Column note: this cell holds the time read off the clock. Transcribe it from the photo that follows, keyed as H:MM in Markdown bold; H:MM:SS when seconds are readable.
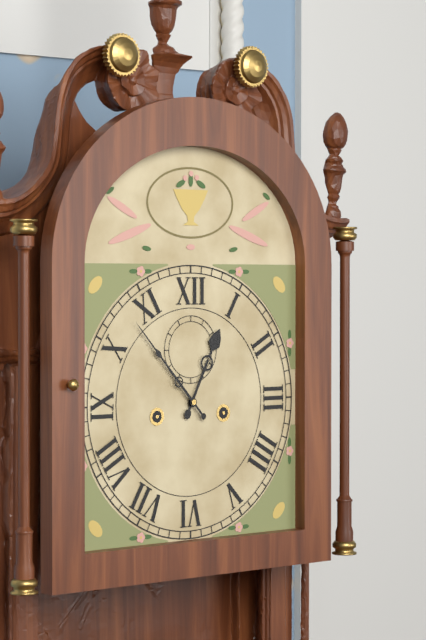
**12:53**
